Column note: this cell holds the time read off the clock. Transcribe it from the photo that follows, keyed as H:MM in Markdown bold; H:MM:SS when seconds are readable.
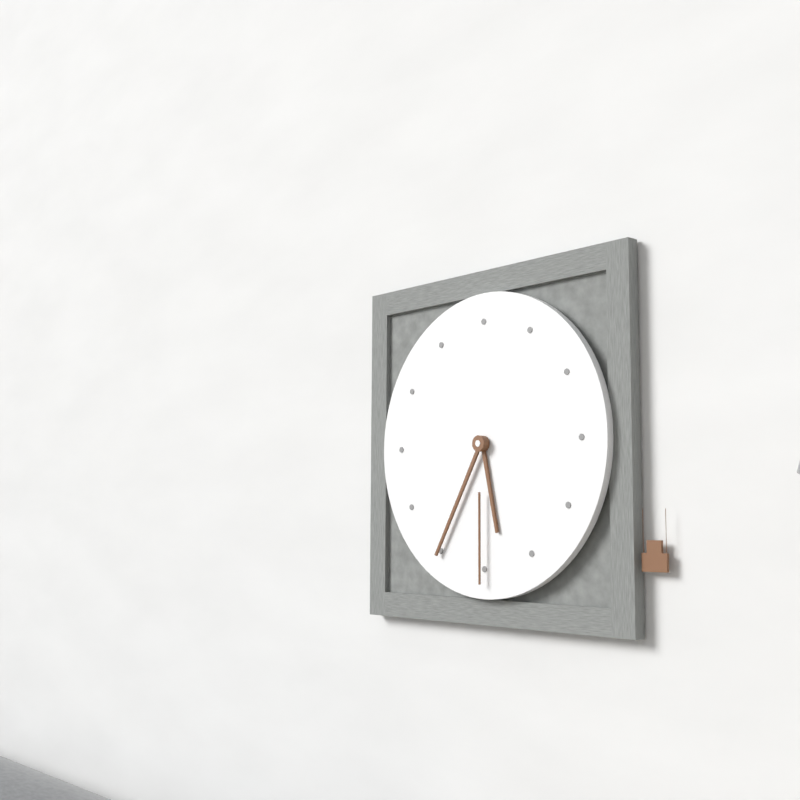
**5:35:30**
